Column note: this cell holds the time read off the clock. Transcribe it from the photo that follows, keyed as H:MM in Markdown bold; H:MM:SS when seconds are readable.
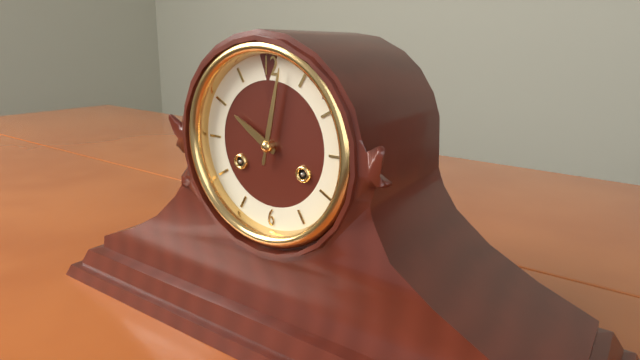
**10:02**
